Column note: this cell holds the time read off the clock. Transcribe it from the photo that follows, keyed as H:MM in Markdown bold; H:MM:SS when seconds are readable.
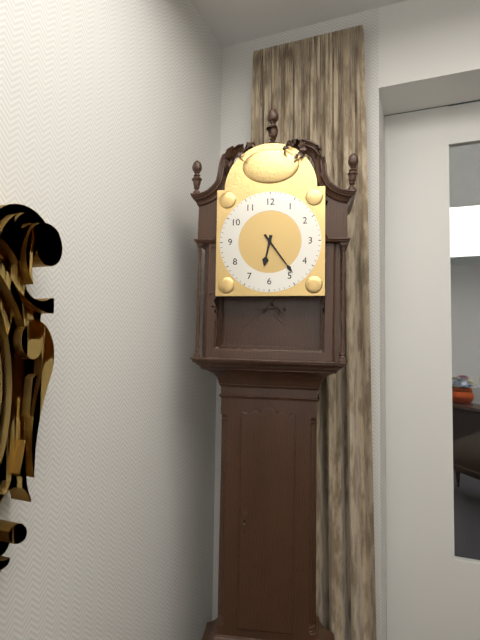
**6:24**
